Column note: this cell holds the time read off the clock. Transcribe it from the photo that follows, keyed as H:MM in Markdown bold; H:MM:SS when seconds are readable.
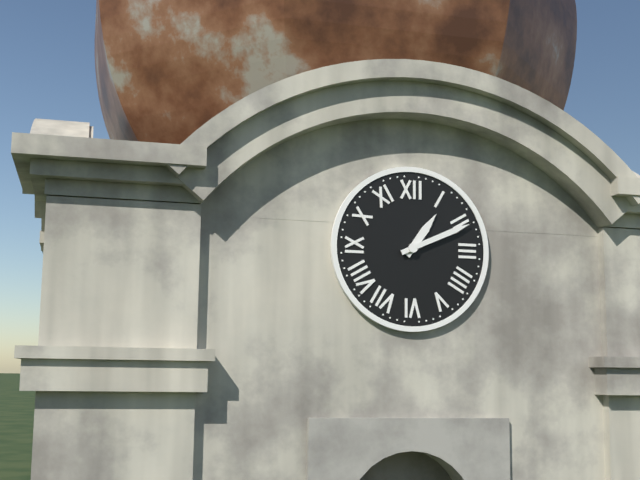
**1:11**
